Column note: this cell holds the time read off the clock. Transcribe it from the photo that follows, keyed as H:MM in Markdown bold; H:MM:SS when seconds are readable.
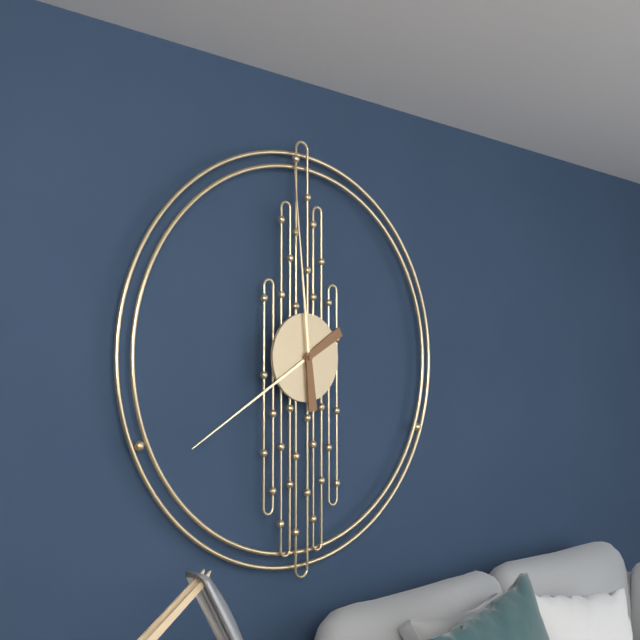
**7:59**
